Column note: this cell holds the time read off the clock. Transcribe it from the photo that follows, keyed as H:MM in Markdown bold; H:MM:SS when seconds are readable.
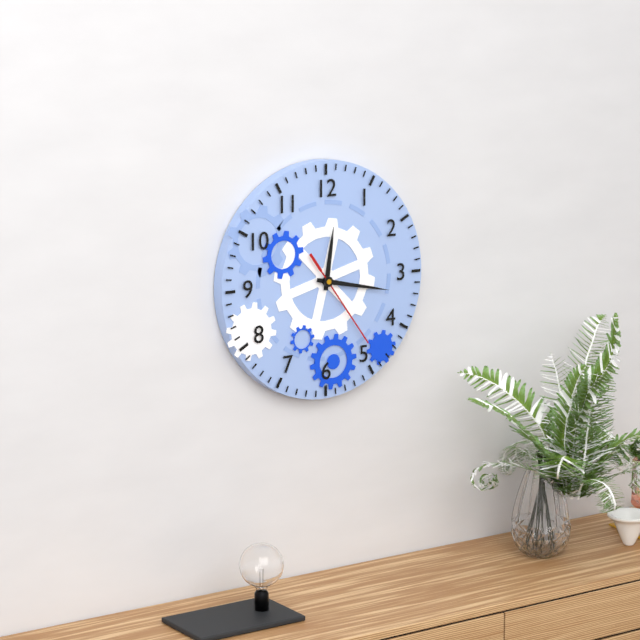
**12:17:24**
